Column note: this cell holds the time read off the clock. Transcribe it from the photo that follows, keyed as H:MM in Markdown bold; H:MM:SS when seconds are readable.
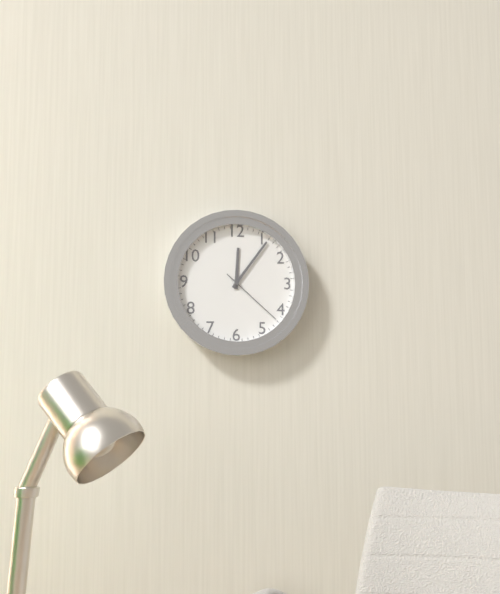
**12:06:22**
